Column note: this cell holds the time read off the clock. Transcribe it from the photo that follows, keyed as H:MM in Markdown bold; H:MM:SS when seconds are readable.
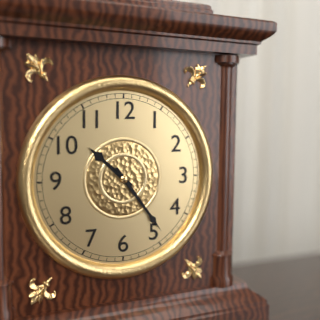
**10:24**
